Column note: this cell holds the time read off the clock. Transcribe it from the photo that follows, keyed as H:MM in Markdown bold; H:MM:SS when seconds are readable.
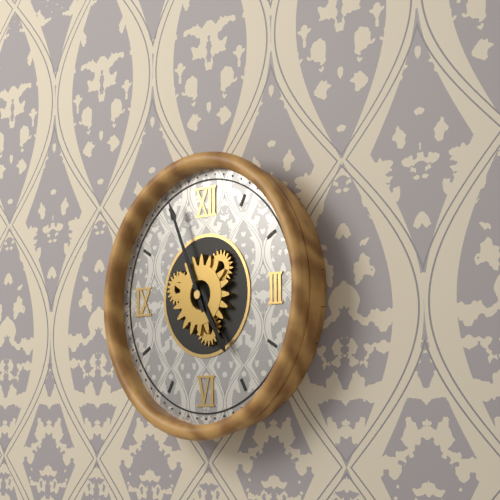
**4:56**
